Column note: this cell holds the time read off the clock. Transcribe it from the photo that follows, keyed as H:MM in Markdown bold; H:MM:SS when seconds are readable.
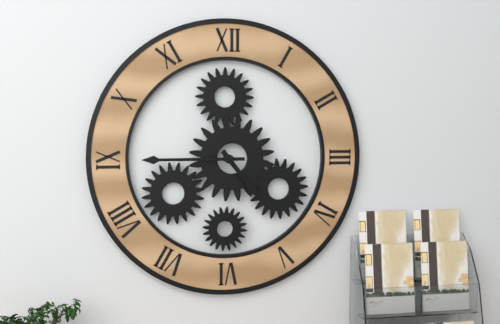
**4:45**
